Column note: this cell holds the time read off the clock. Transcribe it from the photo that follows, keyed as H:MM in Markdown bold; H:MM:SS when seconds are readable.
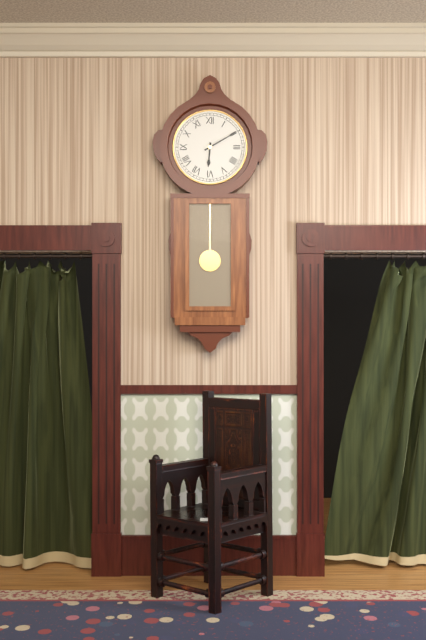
**6:10**
